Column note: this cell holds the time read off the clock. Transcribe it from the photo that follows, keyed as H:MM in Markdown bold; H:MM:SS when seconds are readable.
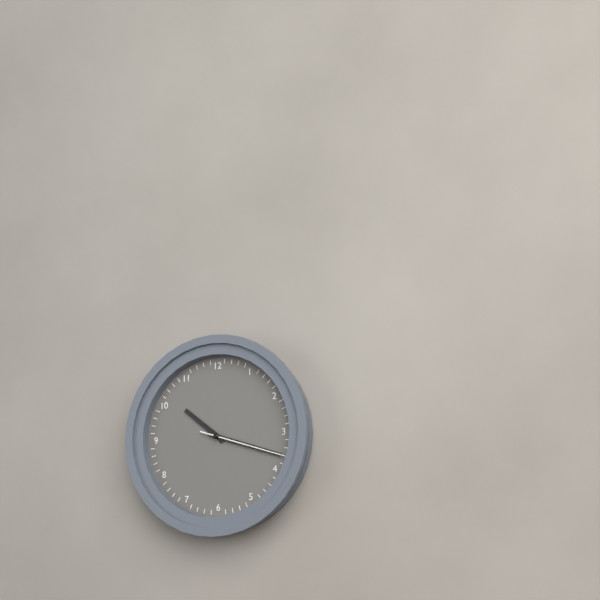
**10:18:18**
